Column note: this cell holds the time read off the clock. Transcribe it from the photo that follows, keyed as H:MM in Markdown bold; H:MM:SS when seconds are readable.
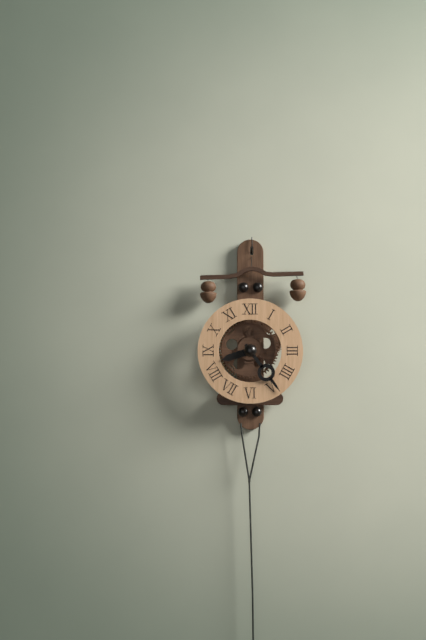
**8:24**
